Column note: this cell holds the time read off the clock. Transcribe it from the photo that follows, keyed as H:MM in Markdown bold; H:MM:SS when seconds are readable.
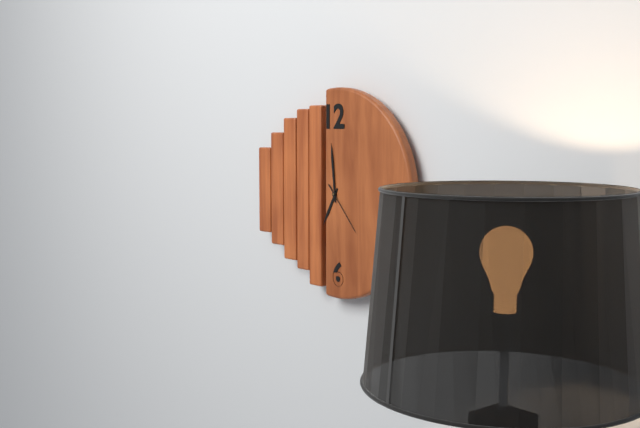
**6:59:23**
